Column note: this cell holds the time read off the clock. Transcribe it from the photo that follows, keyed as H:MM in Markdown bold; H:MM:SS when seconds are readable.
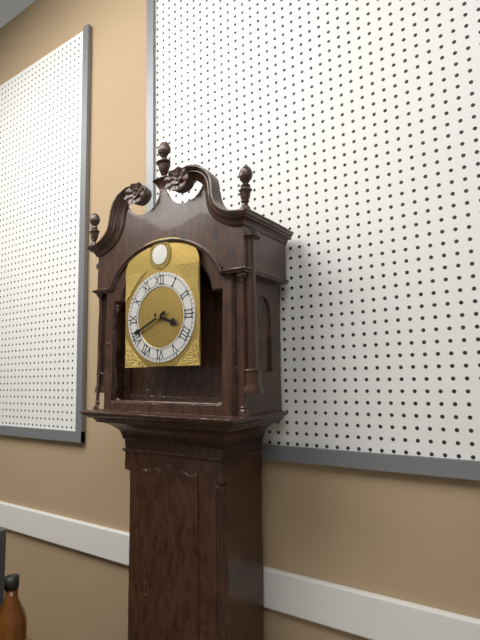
**3:41**
